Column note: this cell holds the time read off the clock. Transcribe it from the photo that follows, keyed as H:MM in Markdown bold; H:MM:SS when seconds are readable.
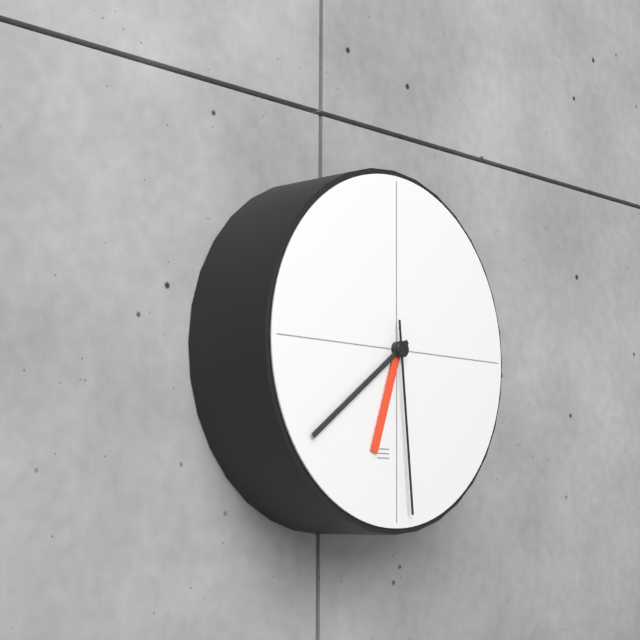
**6:39:29**
